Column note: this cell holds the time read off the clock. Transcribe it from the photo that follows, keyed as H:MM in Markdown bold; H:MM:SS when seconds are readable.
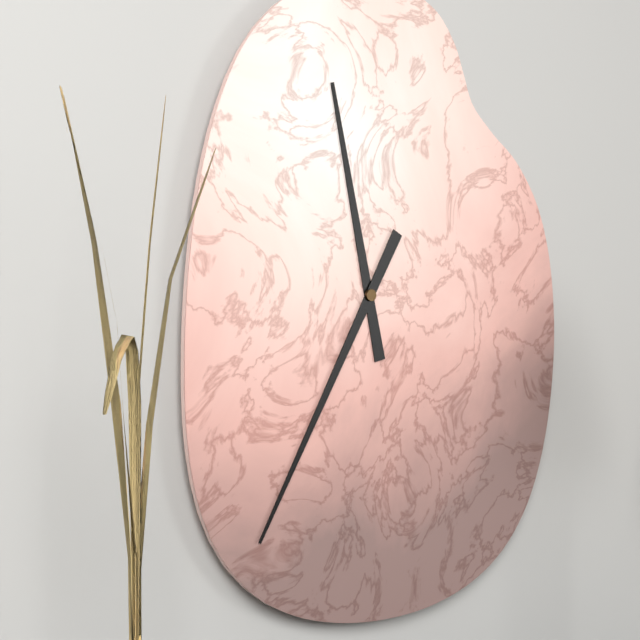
**11:35**
